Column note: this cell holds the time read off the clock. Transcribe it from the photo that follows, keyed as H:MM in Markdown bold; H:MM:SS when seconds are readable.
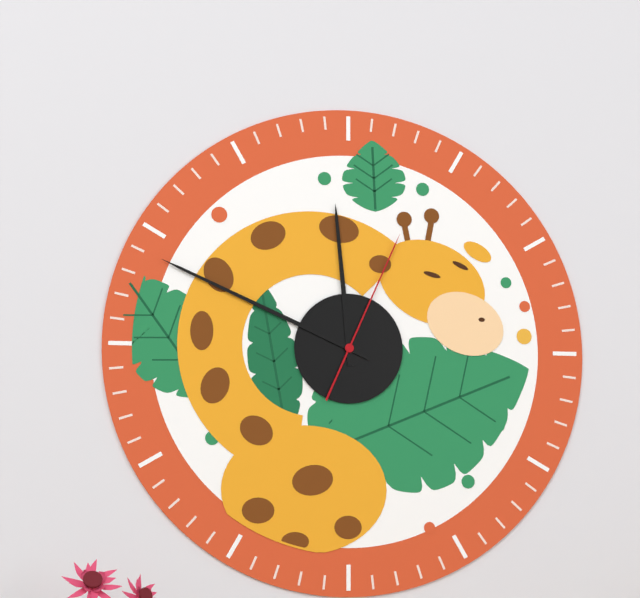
**11:49:04**
